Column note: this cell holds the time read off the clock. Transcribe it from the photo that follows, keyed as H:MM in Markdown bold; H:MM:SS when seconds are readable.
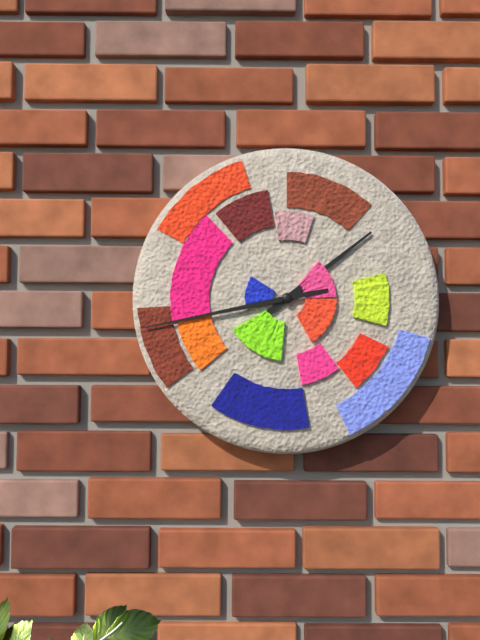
**1:43**
